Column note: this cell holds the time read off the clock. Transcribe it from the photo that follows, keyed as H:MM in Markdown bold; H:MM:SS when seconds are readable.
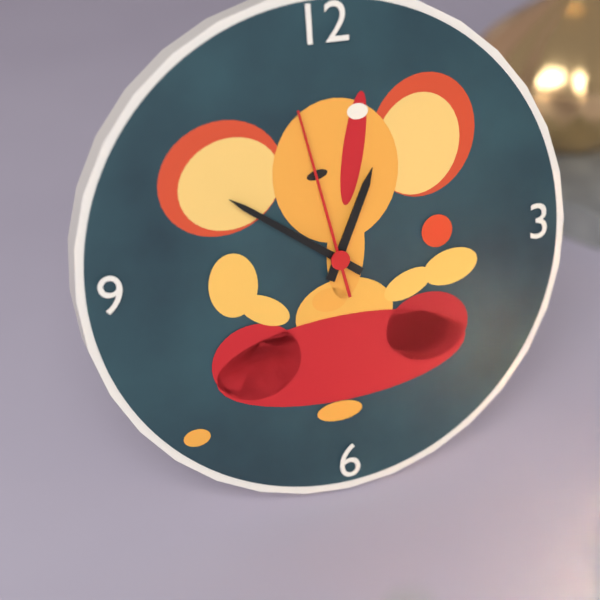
**12:51:58**
